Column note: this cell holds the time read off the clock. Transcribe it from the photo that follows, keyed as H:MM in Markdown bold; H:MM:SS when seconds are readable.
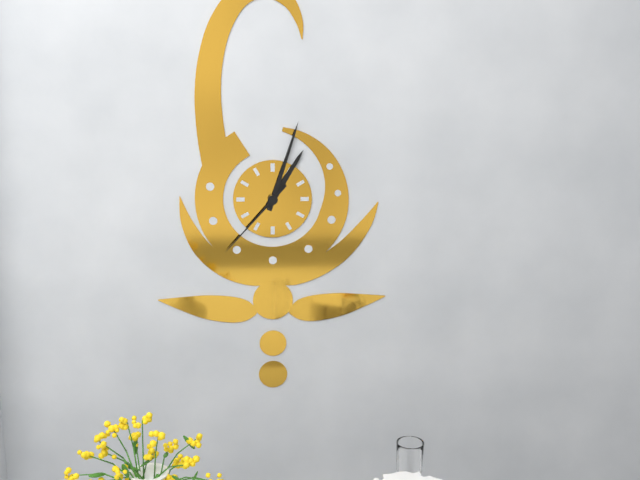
**1:03:37**
